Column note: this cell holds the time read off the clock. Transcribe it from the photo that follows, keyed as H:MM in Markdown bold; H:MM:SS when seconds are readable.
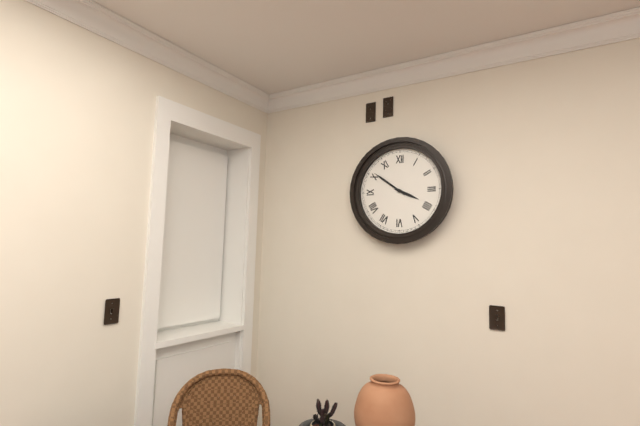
**3:51**
